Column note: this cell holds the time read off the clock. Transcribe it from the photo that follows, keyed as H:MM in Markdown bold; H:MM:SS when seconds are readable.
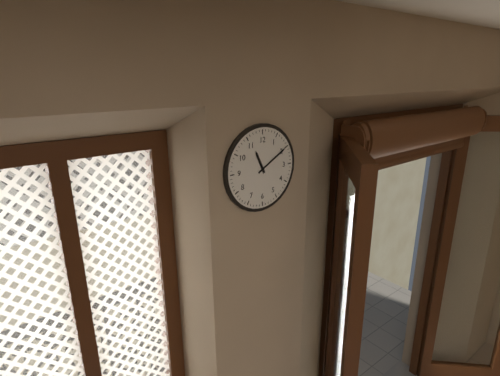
**11:10**
